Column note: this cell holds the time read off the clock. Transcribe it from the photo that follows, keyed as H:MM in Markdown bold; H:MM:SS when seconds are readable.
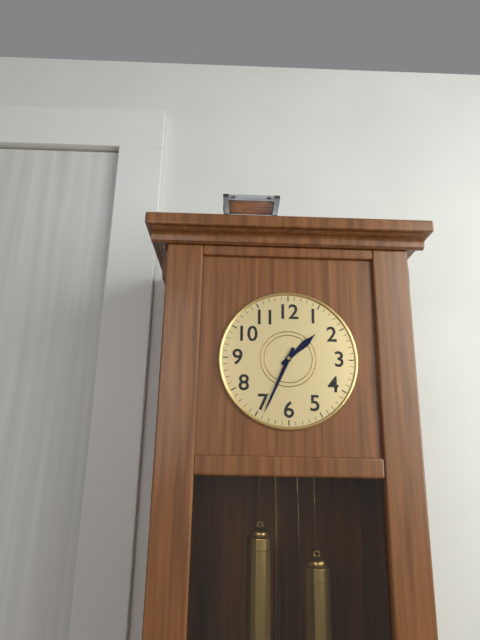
**1:34**
